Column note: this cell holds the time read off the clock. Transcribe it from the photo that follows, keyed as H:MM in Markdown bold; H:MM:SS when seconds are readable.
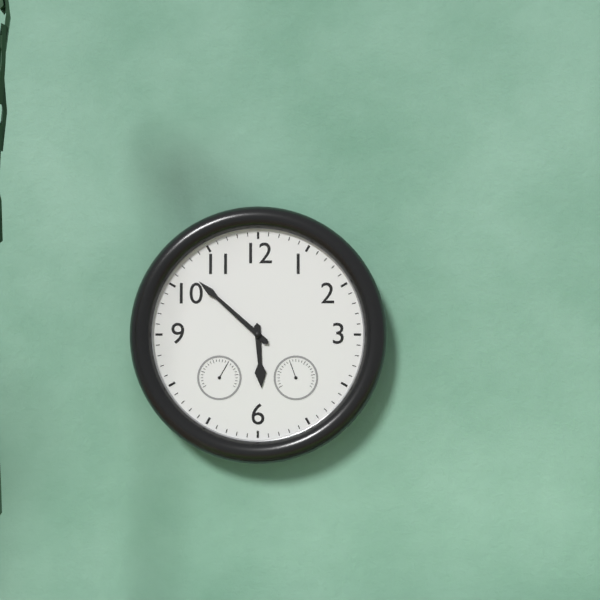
**5:52**
